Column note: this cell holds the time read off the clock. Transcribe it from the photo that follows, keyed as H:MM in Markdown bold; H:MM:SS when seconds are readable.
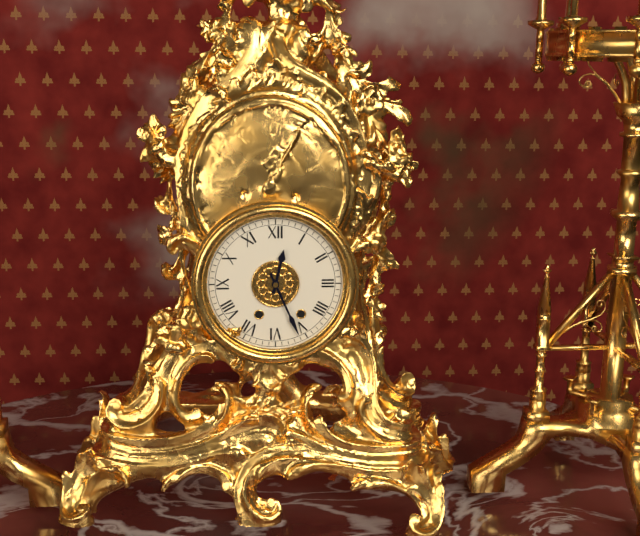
**12:26**
